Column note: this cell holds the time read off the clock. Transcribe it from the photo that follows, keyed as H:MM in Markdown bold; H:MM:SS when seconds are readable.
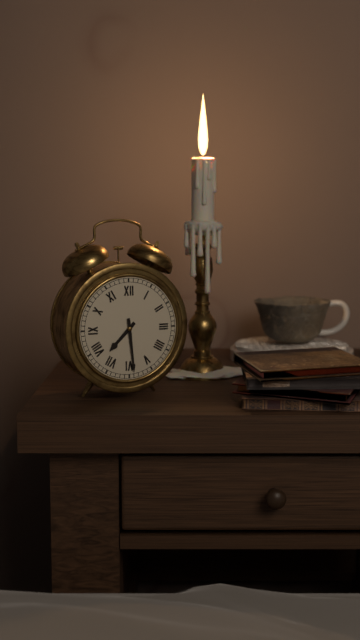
**7:29**
